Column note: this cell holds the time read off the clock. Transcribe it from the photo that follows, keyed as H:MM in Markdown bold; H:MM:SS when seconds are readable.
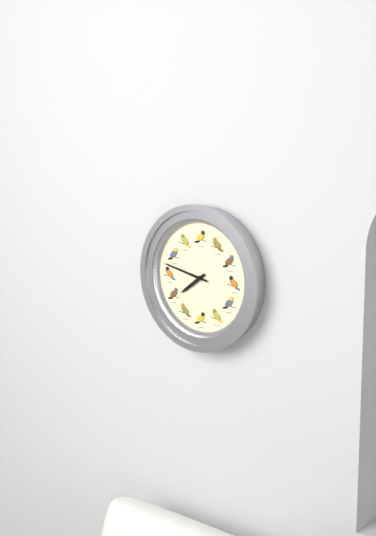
**7:47**
